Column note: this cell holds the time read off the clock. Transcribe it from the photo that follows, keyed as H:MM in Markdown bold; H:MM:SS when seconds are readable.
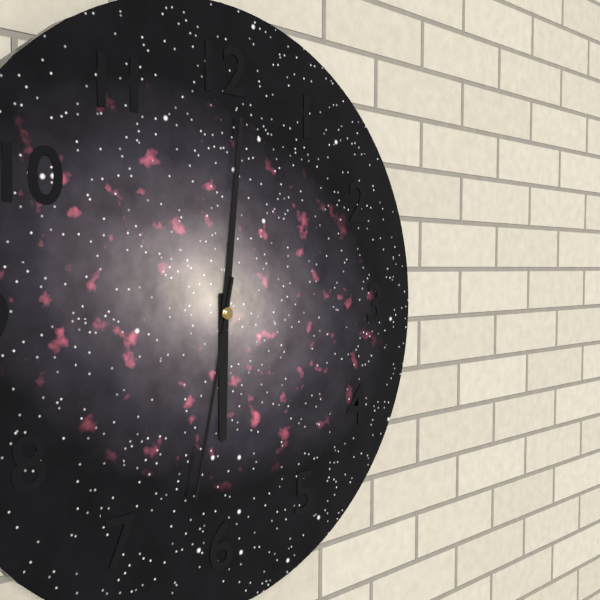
**6:01:32**
